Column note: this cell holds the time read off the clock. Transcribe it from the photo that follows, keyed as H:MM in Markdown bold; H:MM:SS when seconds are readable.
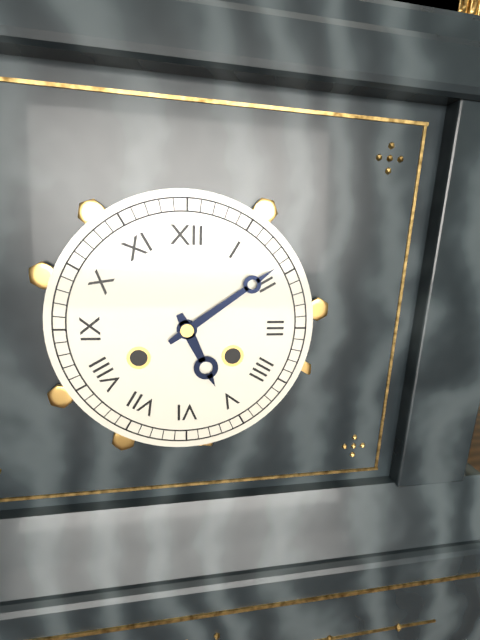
**5:09**
